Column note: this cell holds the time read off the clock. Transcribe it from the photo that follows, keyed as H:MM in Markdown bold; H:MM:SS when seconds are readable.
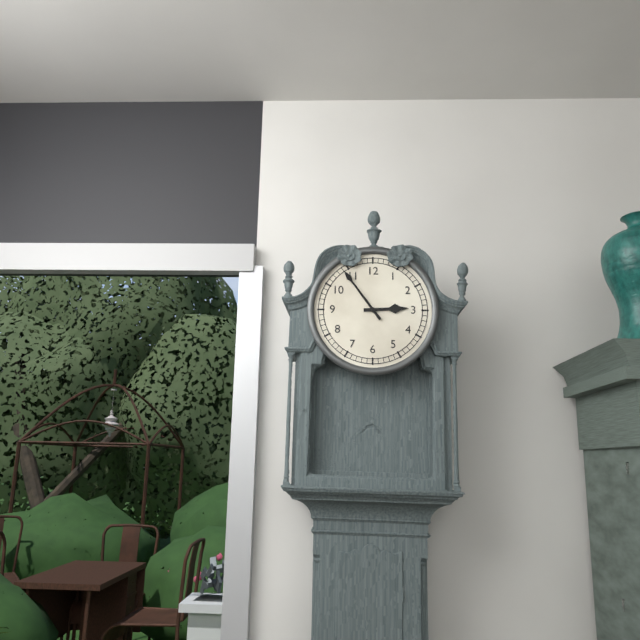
**2:54**
